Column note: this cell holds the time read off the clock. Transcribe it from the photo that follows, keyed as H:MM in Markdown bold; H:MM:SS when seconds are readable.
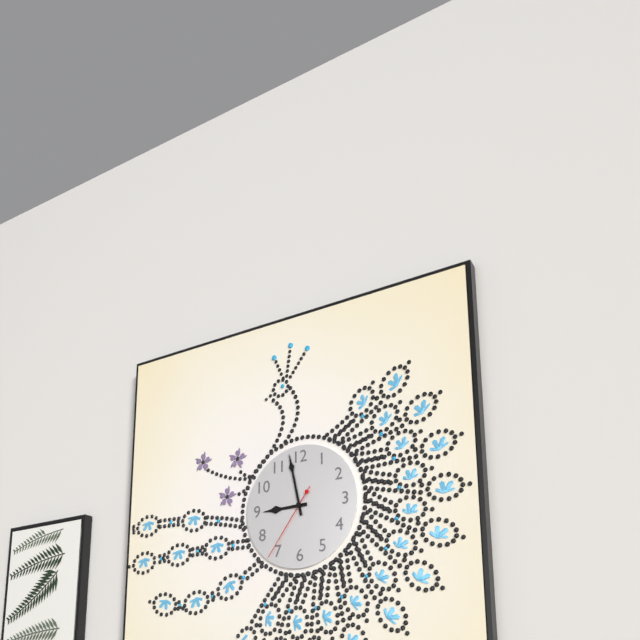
**8:58:36**
